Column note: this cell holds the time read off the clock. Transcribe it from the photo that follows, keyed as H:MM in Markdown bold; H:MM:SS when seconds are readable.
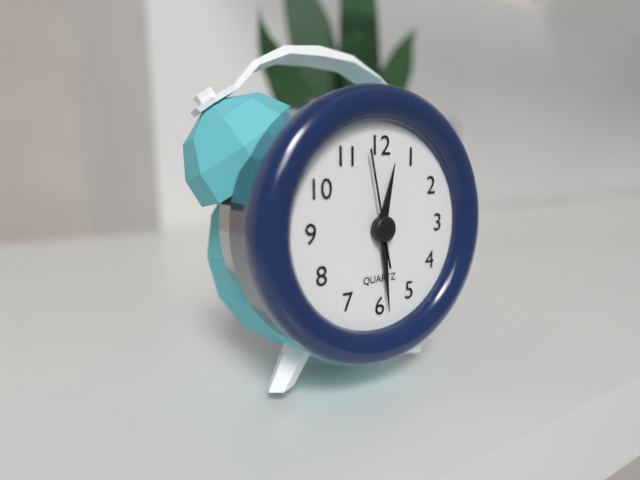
**12:29:58**
